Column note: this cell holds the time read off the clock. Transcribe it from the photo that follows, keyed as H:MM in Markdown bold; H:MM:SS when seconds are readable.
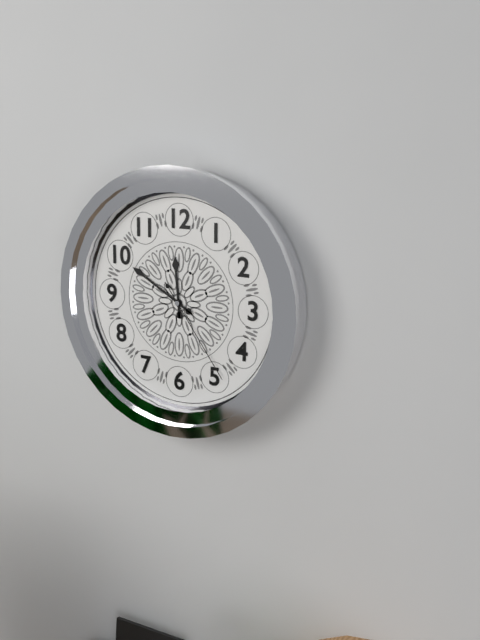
**11:50:24**
